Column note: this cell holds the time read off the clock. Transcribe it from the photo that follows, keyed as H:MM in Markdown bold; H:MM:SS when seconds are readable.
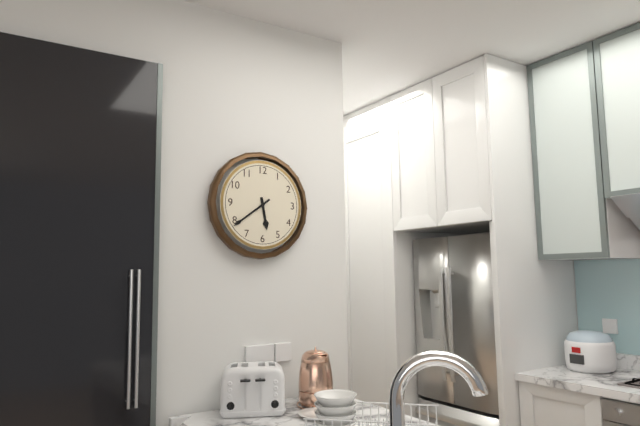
**5:39**
